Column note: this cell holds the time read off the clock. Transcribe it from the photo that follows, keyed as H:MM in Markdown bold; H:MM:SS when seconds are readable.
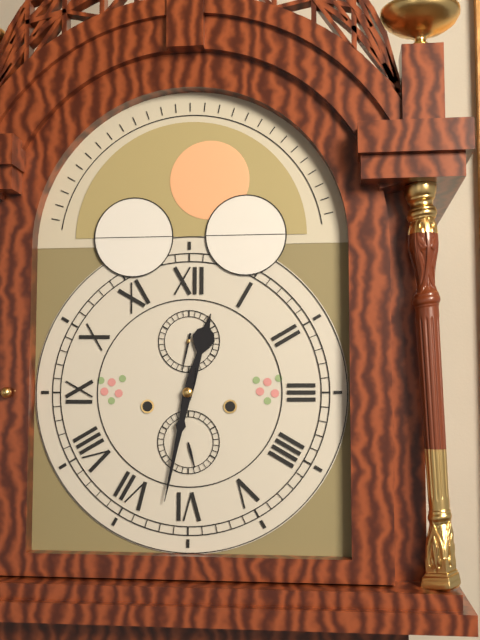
**12:32**
